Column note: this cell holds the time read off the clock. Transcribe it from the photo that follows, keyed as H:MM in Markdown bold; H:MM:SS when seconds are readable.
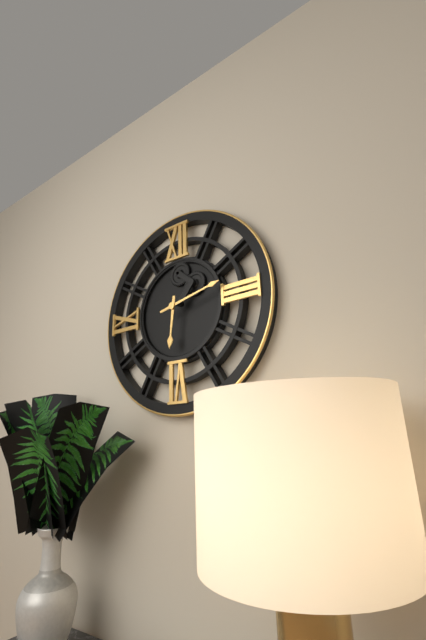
**6:13**
